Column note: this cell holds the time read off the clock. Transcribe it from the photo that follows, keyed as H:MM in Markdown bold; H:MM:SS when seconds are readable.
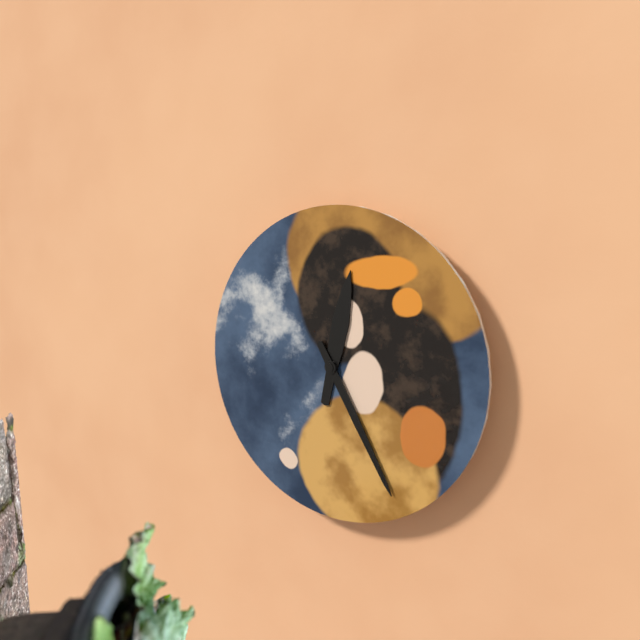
**12:25**
